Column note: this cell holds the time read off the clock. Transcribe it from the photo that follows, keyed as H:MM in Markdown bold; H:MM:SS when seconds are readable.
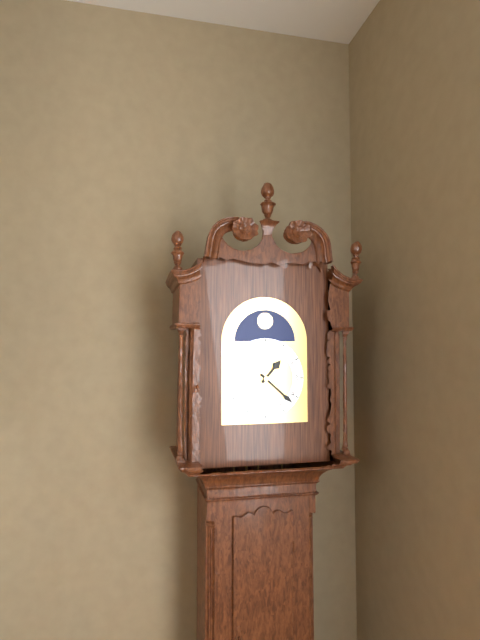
**1:22**
